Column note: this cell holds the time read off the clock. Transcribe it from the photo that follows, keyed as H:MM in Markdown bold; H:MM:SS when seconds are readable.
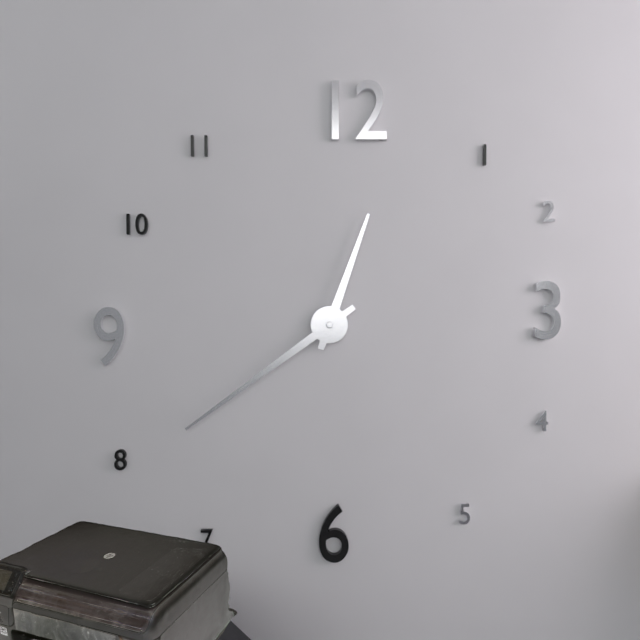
**12:39**
